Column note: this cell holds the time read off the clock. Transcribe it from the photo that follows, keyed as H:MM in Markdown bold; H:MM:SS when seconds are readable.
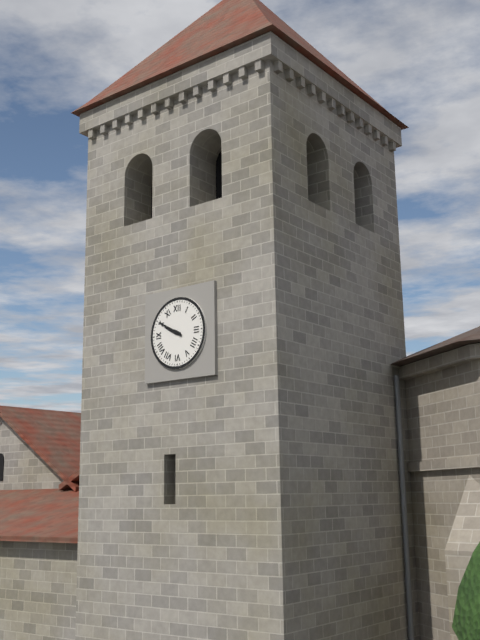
**9:50**
